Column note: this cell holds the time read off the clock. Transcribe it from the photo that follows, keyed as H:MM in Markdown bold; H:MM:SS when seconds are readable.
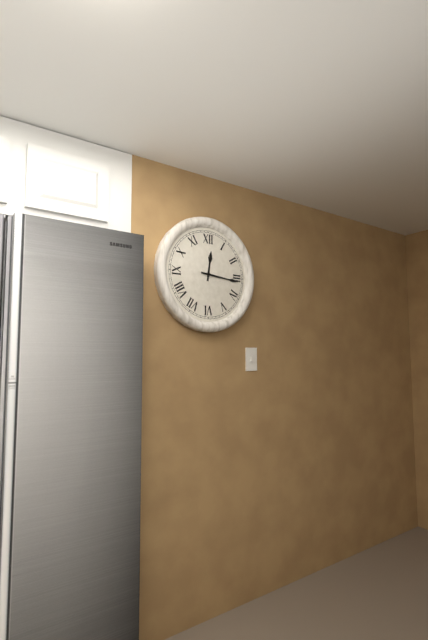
**12:16**
